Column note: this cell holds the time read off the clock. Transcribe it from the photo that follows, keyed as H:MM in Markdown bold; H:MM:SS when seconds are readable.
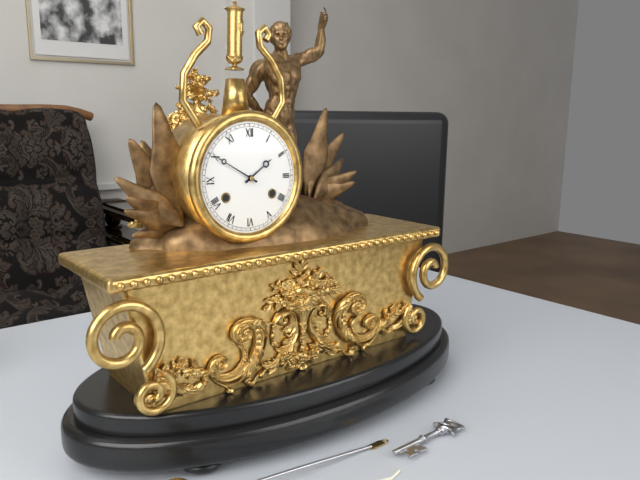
**1:50**
